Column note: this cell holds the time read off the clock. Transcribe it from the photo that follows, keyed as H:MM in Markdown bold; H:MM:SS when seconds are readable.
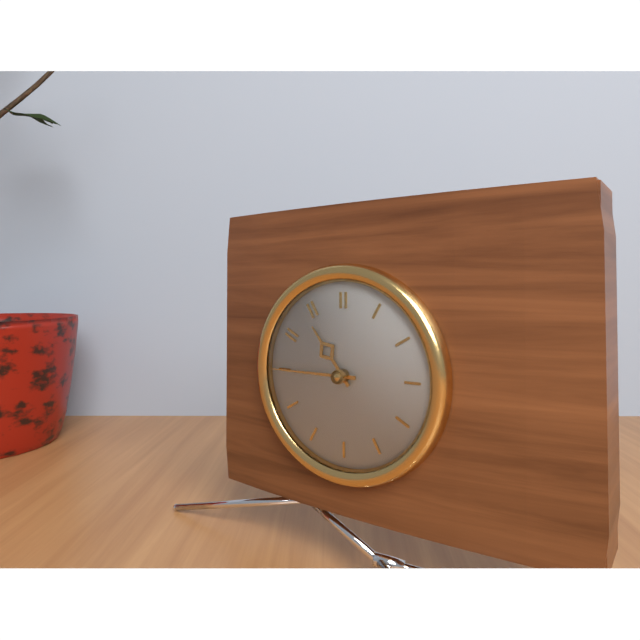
**10:45**
